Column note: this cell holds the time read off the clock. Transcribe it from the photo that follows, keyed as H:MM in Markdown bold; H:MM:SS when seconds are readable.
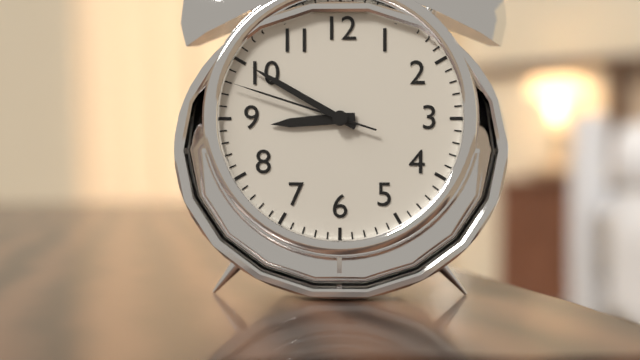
**8:50:48**
